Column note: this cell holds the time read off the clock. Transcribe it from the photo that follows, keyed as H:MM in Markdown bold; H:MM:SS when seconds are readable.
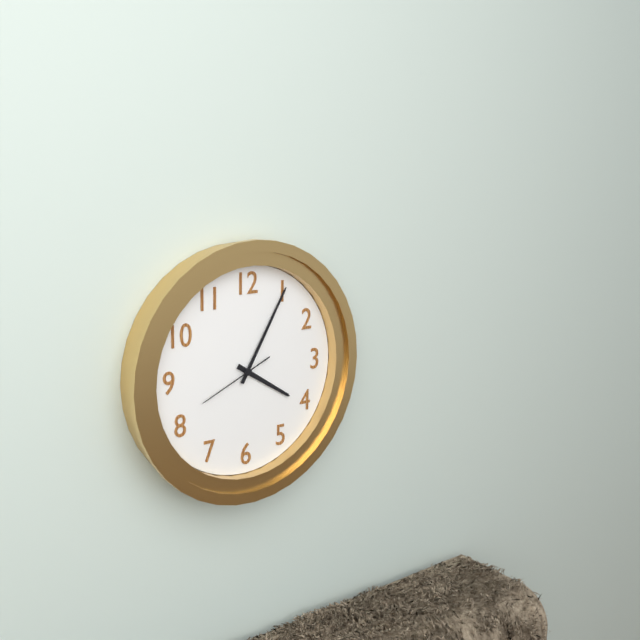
**4:05:41**
